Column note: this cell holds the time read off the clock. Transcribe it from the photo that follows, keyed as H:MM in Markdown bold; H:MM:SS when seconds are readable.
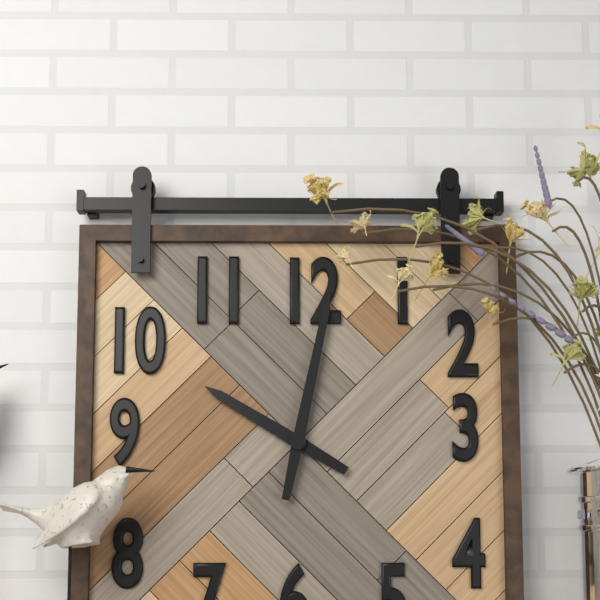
**10:02**
